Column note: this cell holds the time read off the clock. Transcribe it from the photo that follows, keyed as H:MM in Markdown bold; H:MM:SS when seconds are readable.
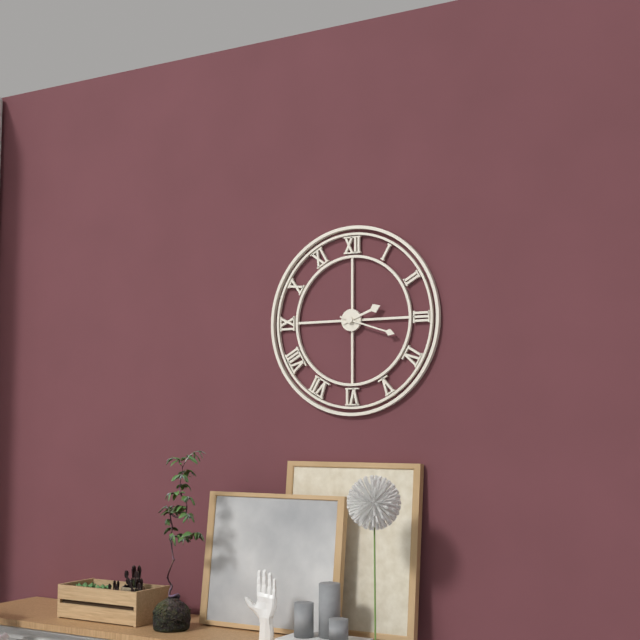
**2:18**
